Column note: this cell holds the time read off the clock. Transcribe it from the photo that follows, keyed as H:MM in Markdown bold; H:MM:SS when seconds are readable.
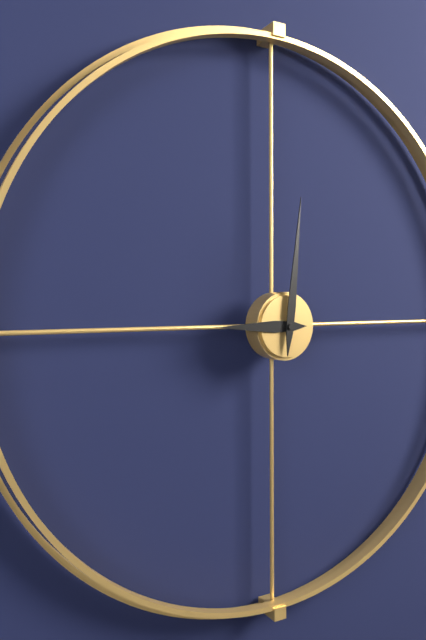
**9:01**
